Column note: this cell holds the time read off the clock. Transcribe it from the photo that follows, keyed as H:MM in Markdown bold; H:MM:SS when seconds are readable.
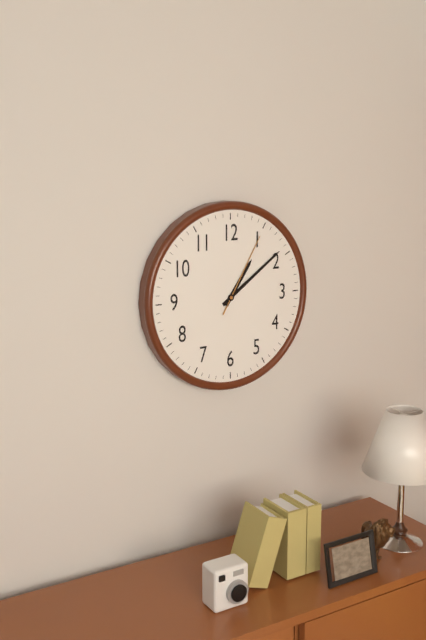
**1:09:05**
